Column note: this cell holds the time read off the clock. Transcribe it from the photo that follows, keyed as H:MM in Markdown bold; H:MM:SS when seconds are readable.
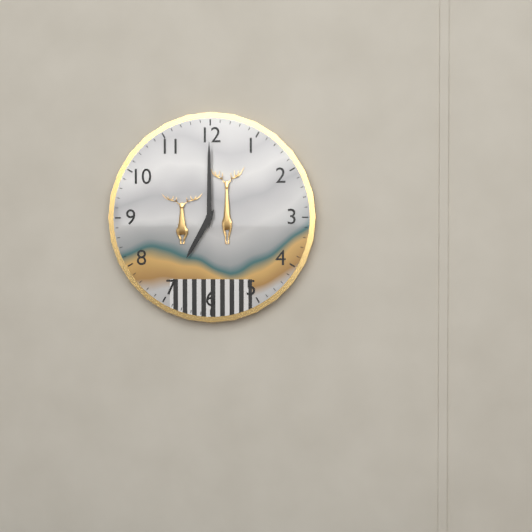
**7:00**
